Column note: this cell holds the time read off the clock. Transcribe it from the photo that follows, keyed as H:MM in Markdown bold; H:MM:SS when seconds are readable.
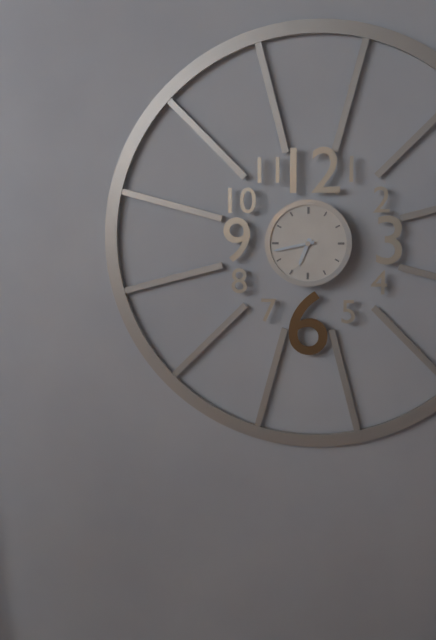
**6:43**
